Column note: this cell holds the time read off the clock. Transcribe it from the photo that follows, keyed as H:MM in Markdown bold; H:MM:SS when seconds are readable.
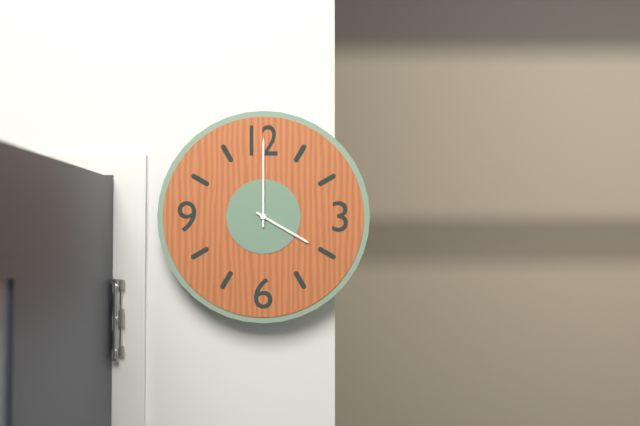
**4:00**
